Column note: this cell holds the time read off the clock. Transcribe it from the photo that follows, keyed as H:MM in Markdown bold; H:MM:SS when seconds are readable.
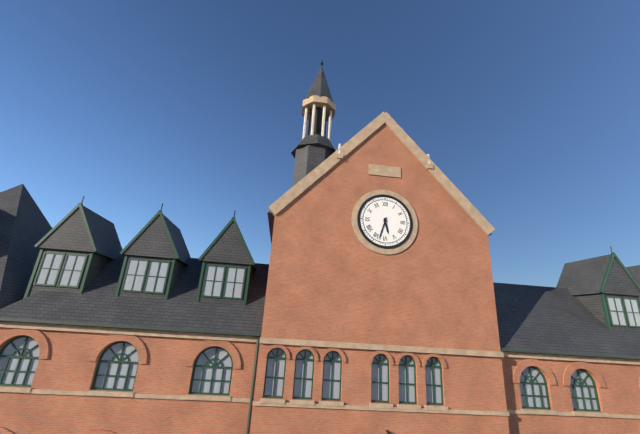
**5:33**
